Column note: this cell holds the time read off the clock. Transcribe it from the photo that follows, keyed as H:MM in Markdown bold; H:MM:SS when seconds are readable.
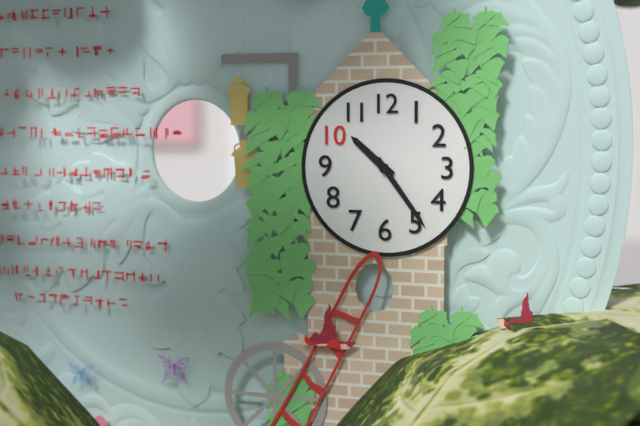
**10:24**
